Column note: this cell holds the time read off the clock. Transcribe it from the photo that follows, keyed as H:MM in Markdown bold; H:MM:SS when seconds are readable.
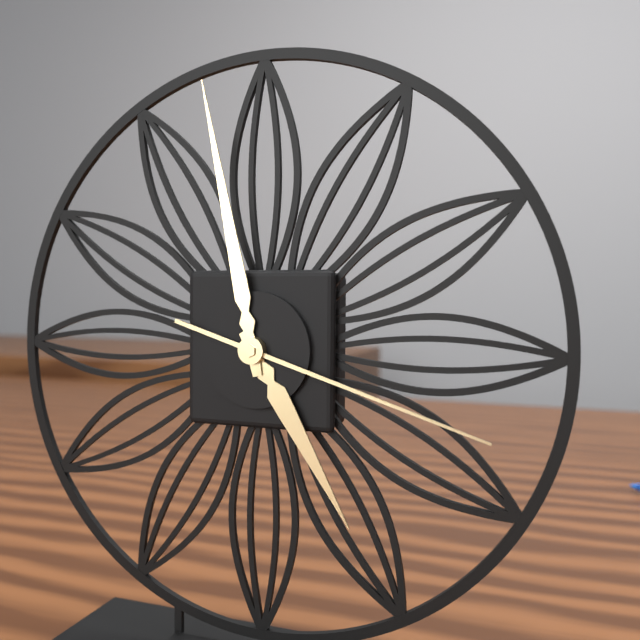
**4:58:18**
